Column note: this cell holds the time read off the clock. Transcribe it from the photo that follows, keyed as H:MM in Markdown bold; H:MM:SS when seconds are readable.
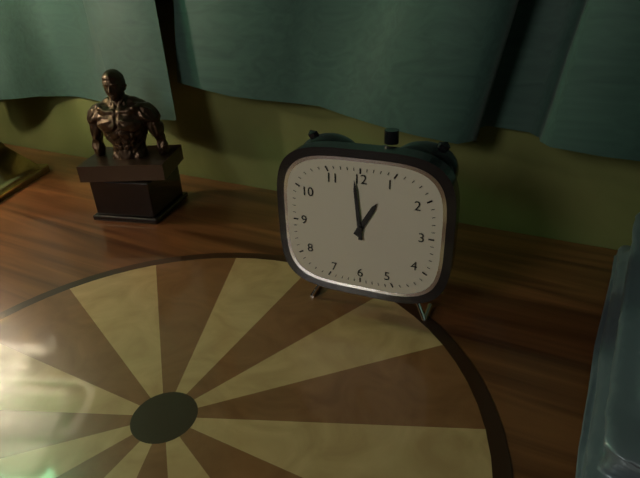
**12:59**
